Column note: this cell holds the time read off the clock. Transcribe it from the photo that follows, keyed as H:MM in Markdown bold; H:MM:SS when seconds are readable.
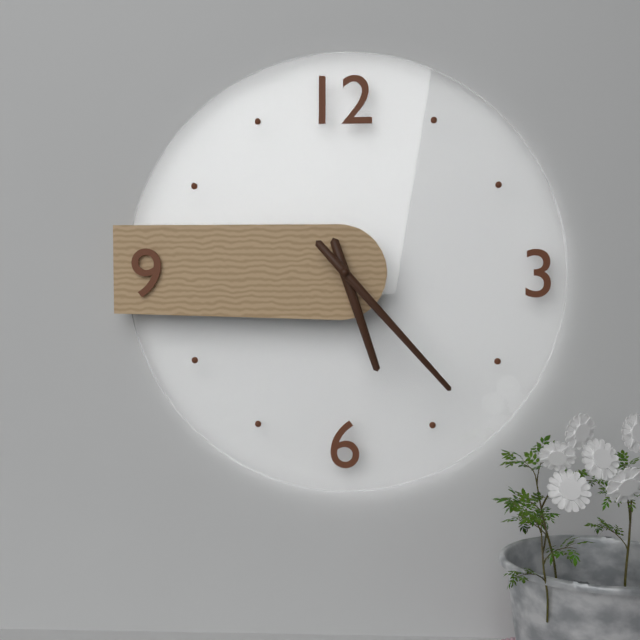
**5:23**
